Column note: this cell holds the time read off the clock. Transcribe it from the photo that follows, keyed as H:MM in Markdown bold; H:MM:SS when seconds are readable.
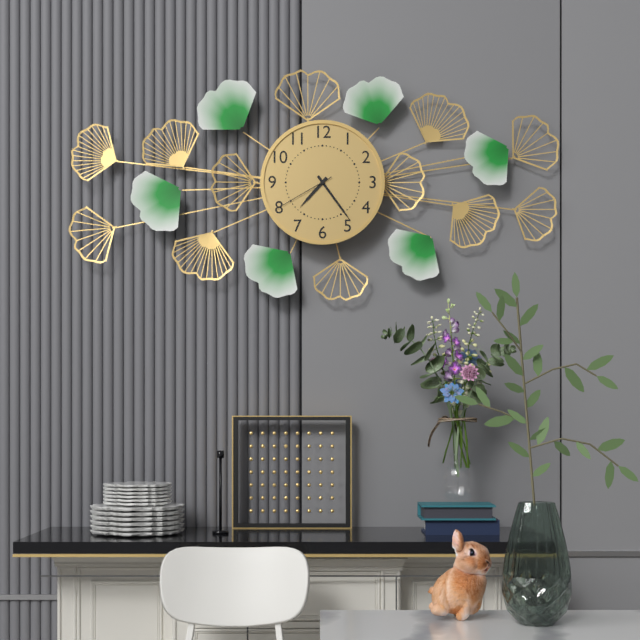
**7:24:40**
